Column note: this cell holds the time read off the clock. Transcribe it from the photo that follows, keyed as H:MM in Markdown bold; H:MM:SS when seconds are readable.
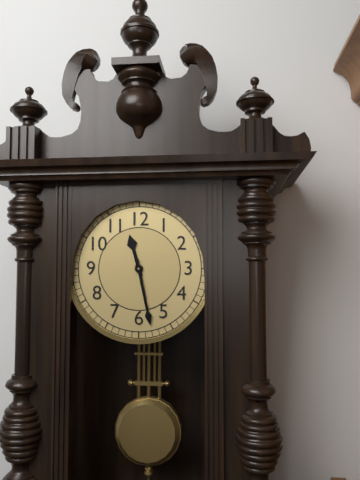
**11:28**
